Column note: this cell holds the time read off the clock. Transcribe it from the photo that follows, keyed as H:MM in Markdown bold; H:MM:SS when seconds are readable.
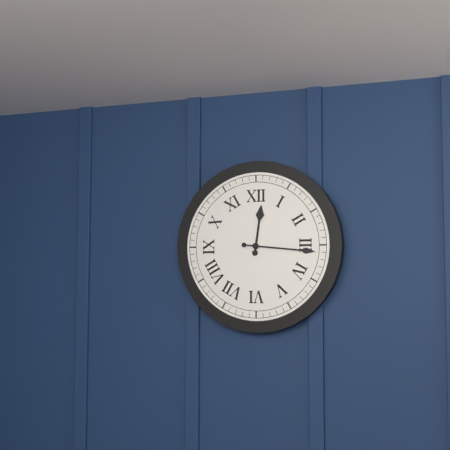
**12:16**
